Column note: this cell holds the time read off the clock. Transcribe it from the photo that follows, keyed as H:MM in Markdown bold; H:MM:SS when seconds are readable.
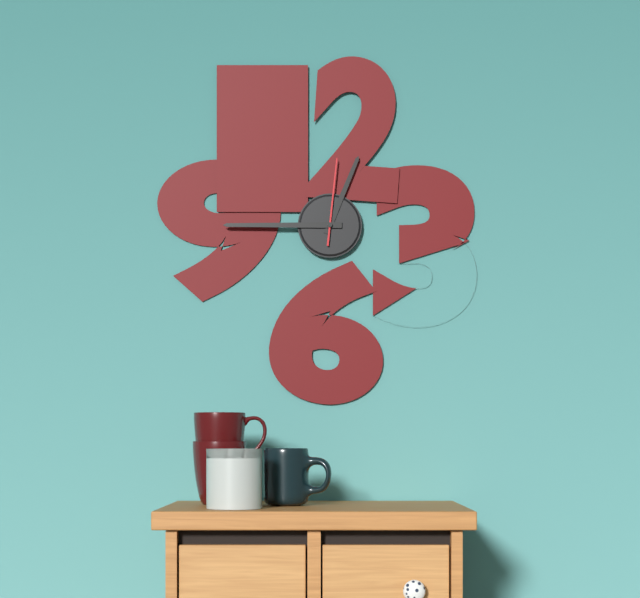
**12:45:01**
